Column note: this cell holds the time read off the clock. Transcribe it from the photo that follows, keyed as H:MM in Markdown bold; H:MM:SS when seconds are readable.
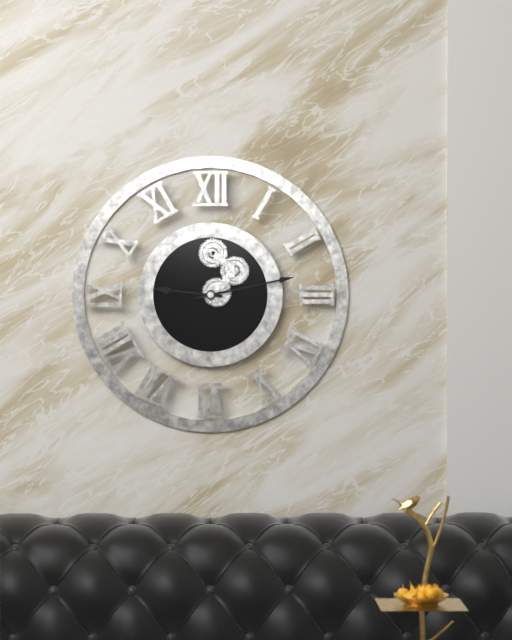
**9:13**
